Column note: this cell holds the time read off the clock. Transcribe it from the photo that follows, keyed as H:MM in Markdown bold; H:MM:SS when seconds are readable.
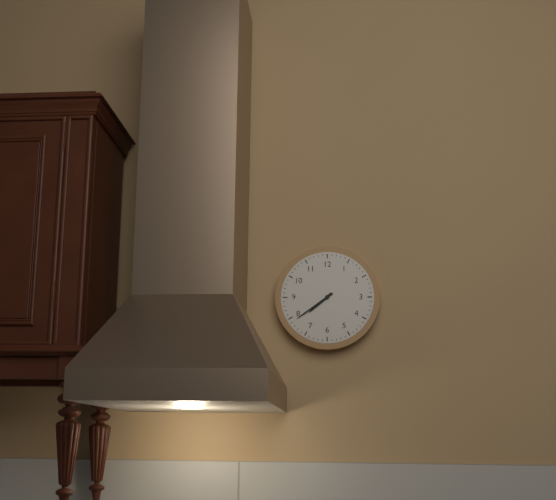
**7:39**
